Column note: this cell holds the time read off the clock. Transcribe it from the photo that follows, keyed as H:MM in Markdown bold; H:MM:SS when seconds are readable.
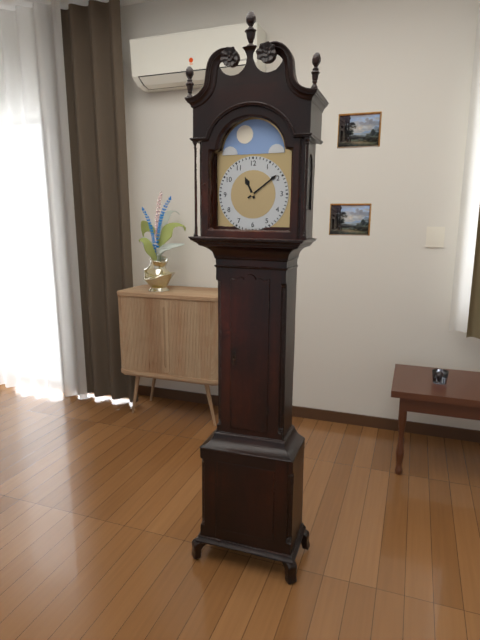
**11:09**
